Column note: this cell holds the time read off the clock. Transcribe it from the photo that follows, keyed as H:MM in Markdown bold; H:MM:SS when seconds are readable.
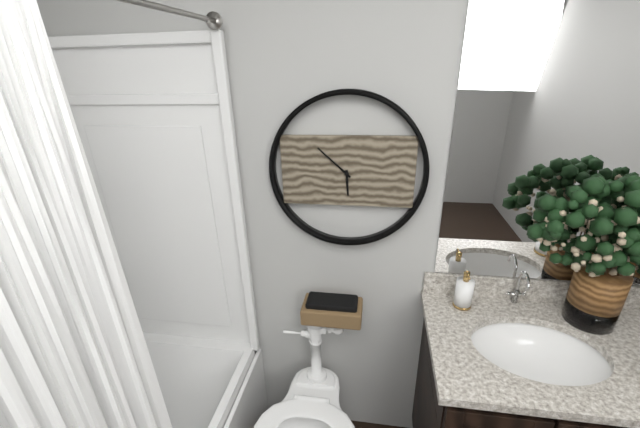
**5:52**
